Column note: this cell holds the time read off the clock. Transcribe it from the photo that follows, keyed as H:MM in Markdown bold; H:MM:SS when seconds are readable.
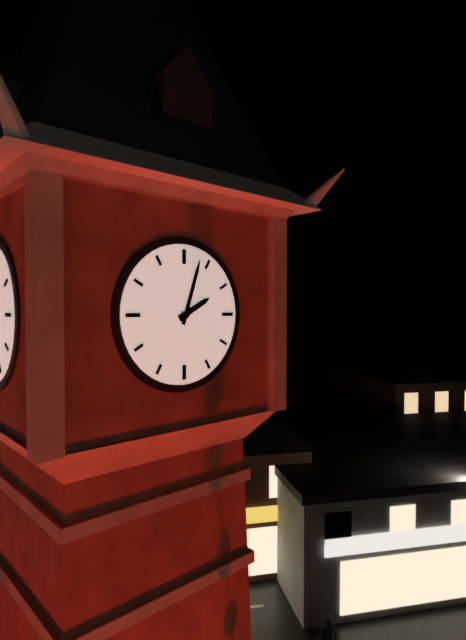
**2:03**
